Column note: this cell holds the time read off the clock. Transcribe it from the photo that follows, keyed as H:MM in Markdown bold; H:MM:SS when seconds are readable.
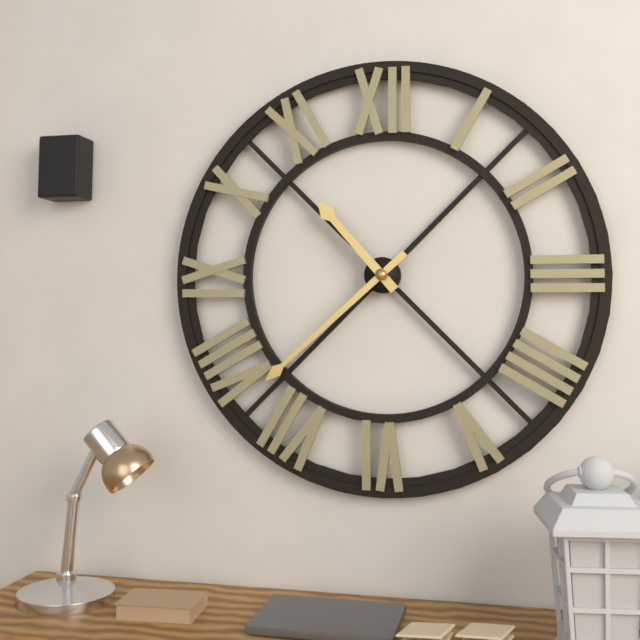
**10:38**
